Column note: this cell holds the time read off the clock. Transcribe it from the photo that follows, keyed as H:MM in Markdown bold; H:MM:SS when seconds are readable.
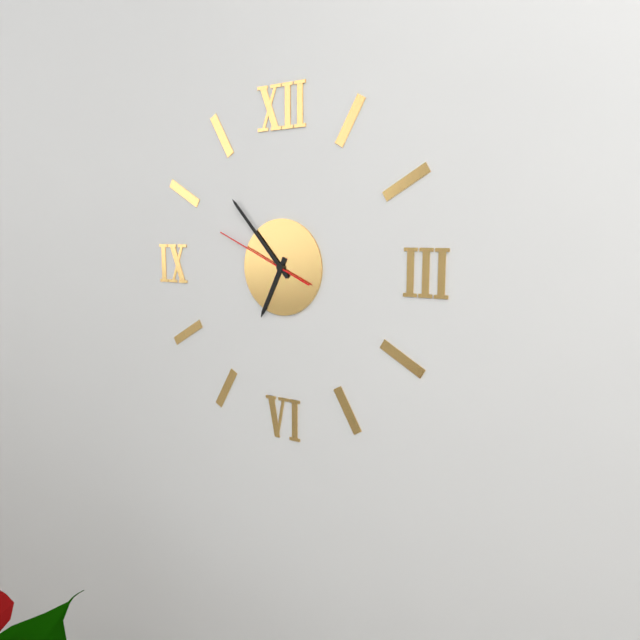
**6:53:49**
